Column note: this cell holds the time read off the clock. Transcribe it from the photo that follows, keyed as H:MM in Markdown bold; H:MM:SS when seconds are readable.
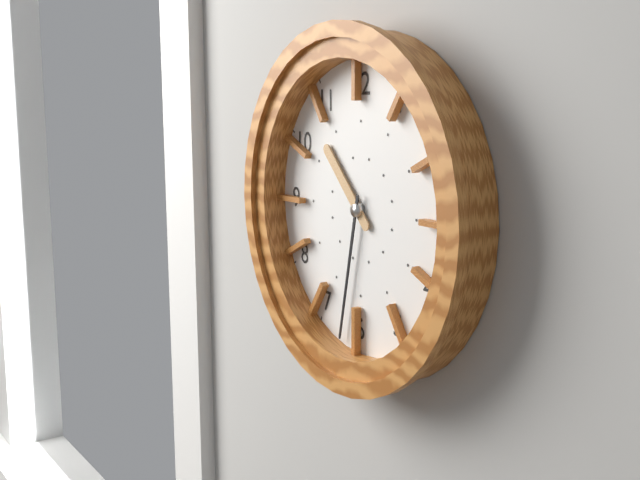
**10:32**
